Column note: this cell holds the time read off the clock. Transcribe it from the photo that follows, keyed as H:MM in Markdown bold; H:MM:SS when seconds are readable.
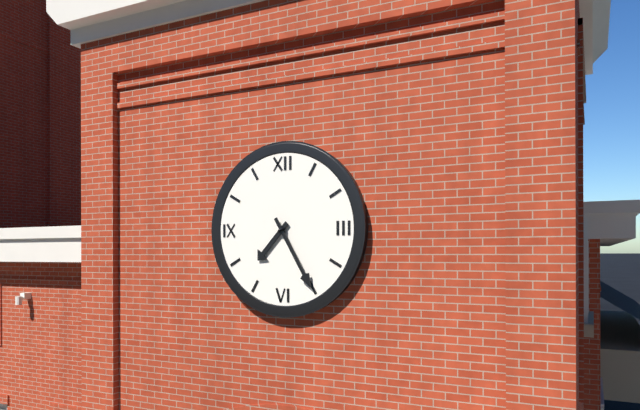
**7:25**
